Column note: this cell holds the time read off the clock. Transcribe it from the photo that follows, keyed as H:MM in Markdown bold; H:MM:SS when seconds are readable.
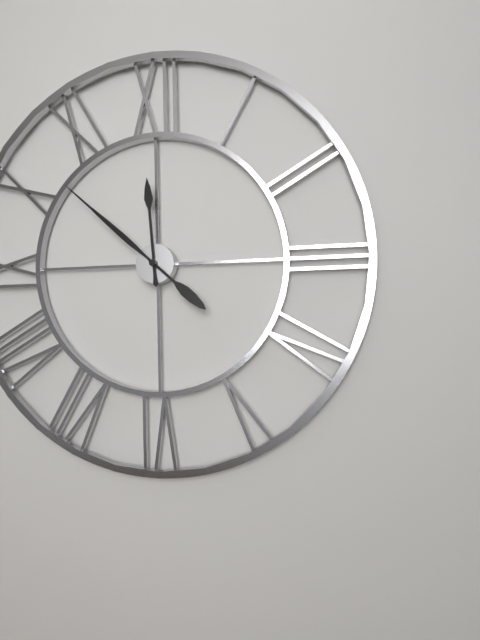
**11:52**
